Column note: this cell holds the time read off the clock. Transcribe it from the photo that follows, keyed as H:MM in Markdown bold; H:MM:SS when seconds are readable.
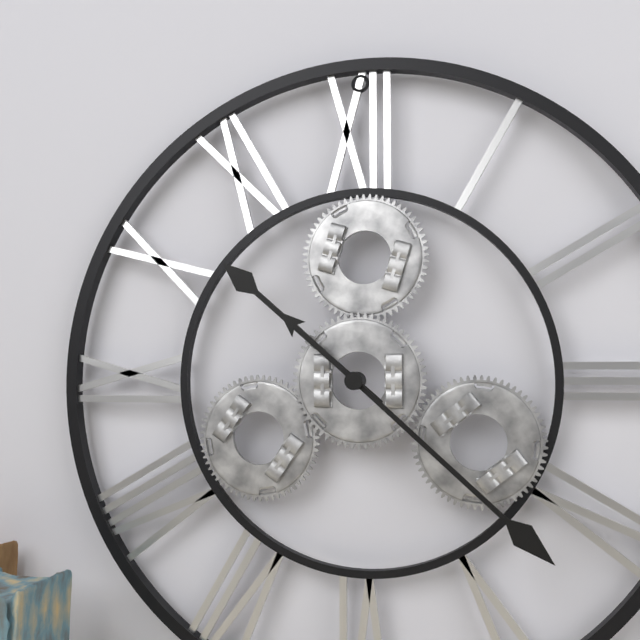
**10:22**
